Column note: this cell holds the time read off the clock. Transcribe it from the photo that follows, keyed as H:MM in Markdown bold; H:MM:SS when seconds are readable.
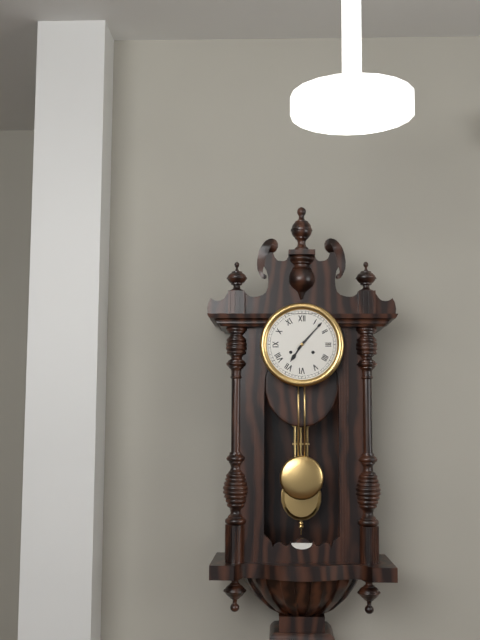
**7:07**
